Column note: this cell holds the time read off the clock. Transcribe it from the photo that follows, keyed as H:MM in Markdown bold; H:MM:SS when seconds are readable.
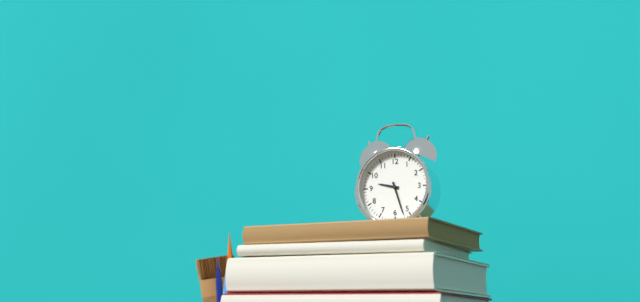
**9:27**
